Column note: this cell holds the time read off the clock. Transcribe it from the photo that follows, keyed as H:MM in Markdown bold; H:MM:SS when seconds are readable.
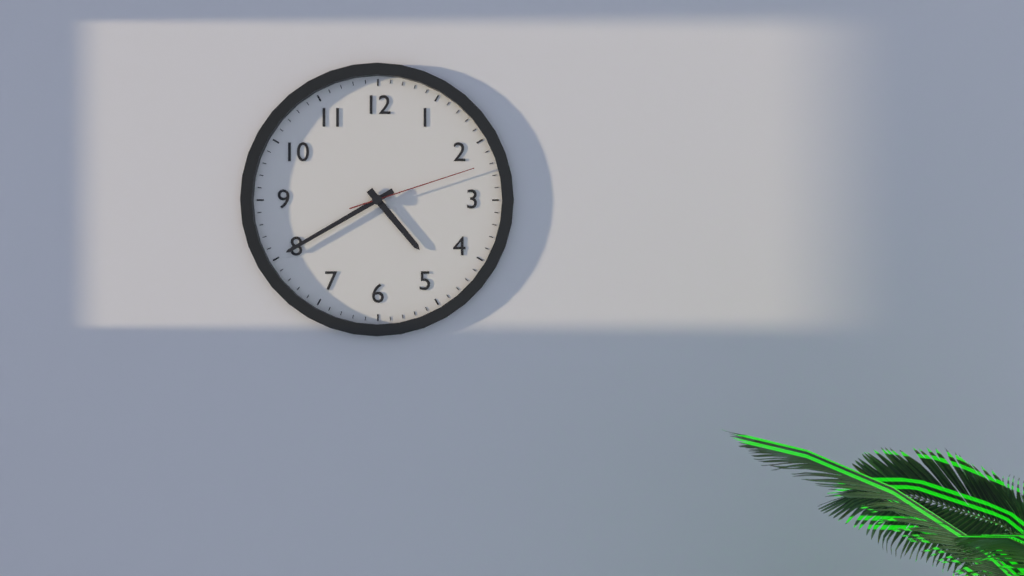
**4:40:12**
